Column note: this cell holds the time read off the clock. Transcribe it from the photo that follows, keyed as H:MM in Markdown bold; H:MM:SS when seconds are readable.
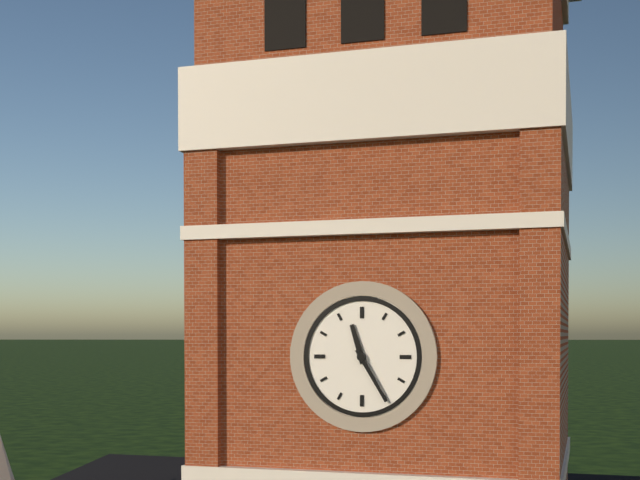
**11:25**
